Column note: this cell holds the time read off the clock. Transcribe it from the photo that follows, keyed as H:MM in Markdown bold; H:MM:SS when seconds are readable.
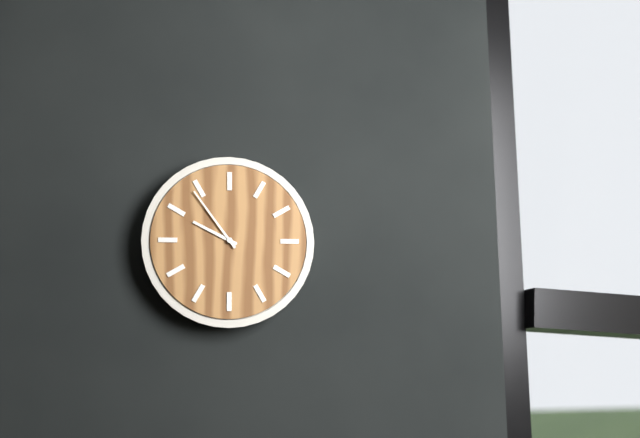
**9:54**
